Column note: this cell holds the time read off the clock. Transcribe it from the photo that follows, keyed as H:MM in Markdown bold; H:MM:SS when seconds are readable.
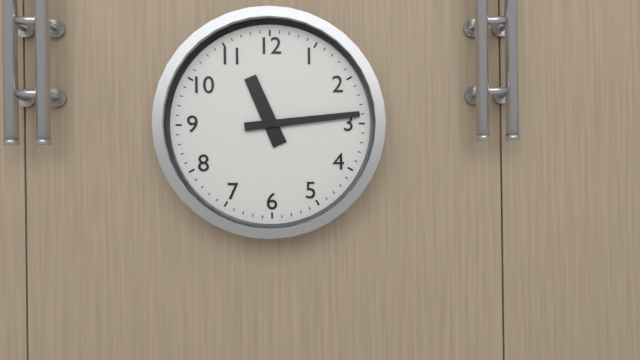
**11:14**
